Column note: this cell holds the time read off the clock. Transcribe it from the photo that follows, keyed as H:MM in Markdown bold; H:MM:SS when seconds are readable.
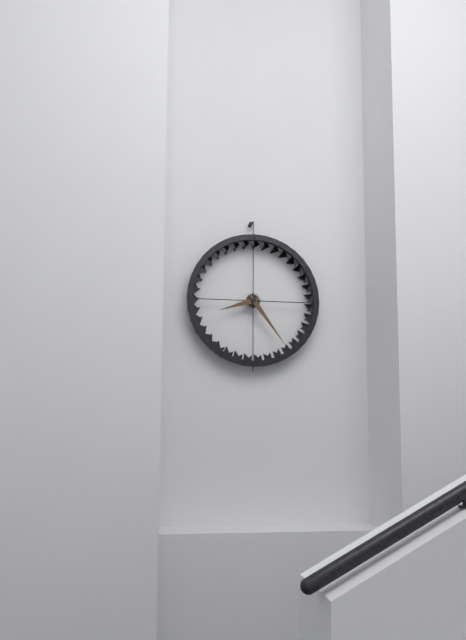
**8:24**
